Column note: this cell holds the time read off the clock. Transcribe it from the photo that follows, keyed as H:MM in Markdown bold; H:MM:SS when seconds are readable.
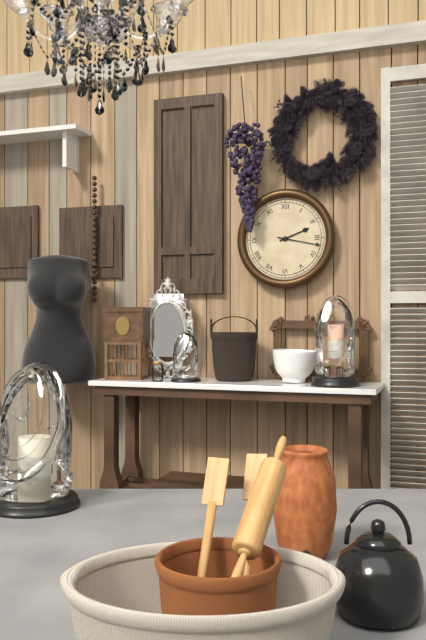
**2:17**
